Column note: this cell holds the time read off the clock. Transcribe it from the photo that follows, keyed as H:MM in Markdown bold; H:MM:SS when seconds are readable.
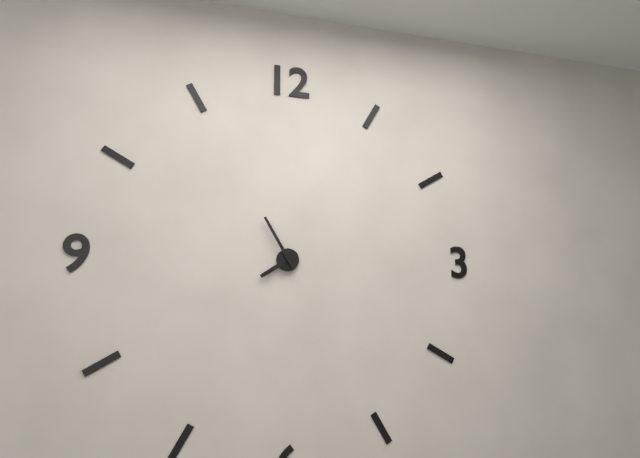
**7:55**
